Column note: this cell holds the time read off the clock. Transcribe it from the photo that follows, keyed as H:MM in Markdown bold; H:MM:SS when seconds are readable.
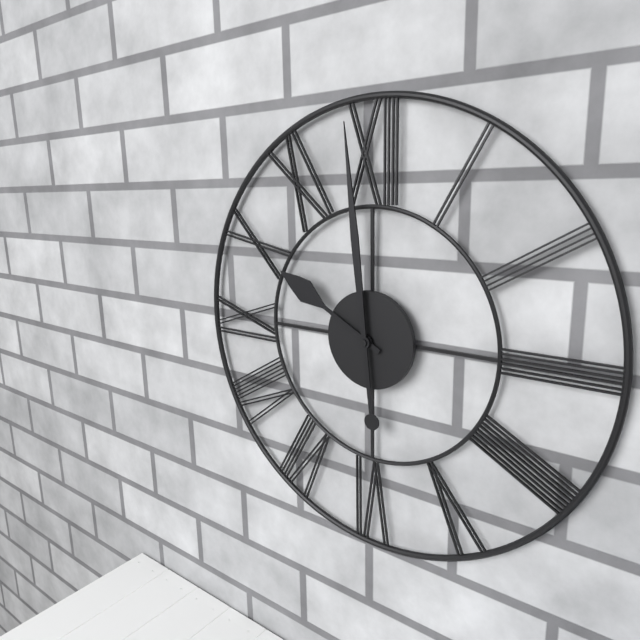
**9:59**
